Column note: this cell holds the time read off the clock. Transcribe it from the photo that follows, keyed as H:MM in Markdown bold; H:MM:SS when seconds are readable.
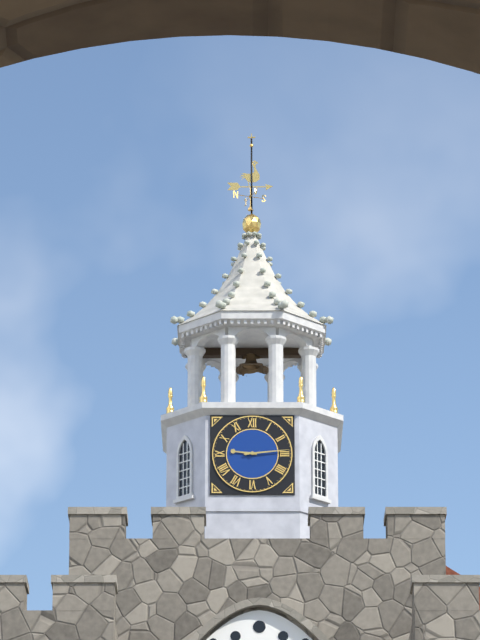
**9:14**
